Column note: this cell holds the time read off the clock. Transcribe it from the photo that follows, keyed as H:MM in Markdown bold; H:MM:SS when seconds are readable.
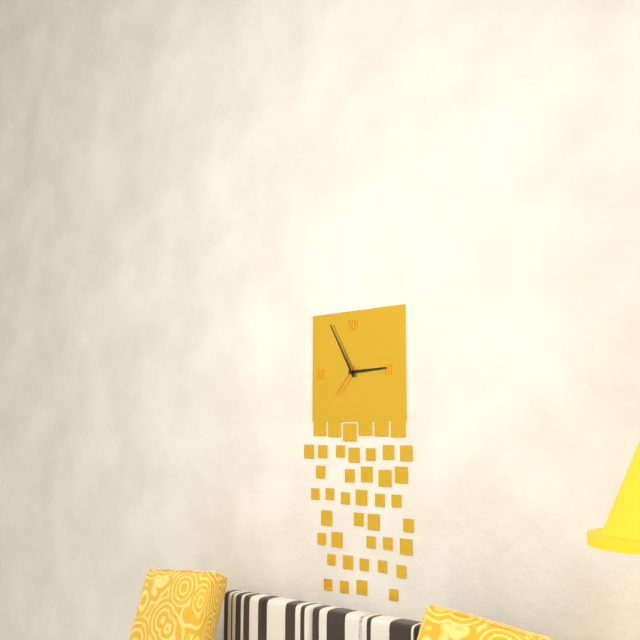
**2:55**
